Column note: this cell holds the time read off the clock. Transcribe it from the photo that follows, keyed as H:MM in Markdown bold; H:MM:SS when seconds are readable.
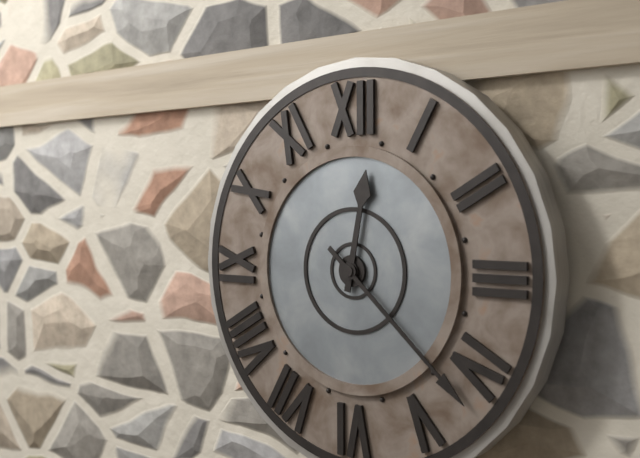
**12:22**
